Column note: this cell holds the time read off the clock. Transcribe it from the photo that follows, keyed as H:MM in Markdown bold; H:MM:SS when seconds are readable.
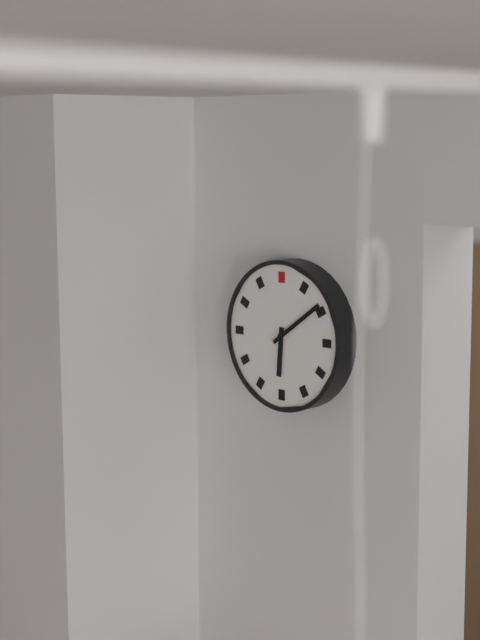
**6:09**
